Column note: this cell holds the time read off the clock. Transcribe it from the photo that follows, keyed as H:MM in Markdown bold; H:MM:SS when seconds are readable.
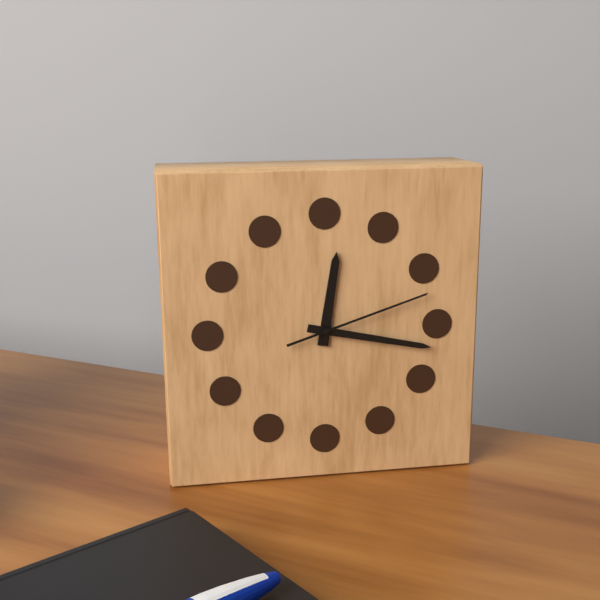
**12:17:12**
